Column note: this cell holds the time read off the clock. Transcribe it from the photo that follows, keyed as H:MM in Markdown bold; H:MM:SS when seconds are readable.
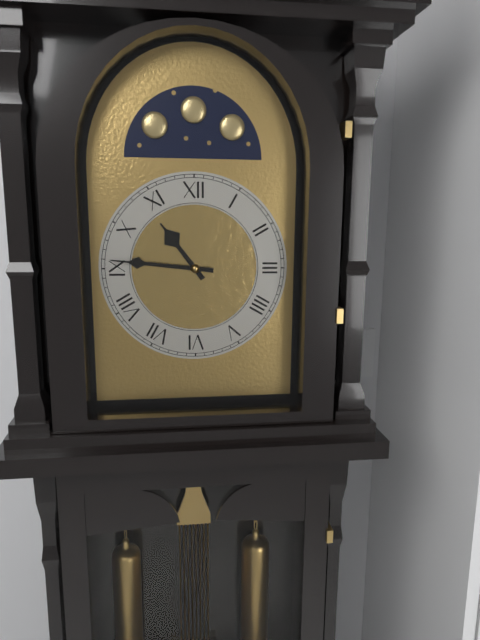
**10:46**
